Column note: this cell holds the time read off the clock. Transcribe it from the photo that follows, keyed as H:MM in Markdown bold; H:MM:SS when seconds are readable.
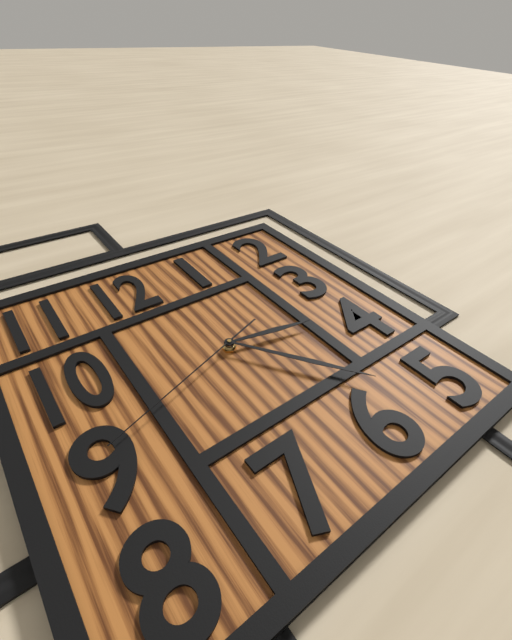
**3:24:42**
